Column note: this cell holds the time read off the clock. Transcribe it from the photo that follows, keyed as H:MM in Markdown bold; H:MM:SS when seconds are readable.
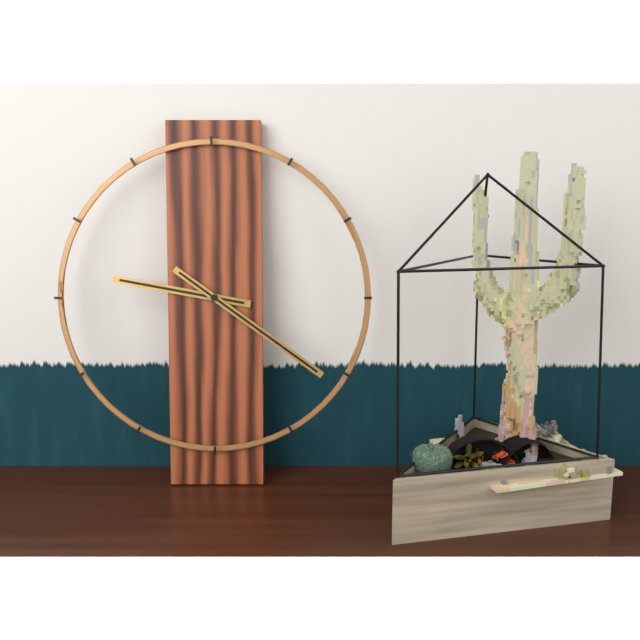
**9:21**
